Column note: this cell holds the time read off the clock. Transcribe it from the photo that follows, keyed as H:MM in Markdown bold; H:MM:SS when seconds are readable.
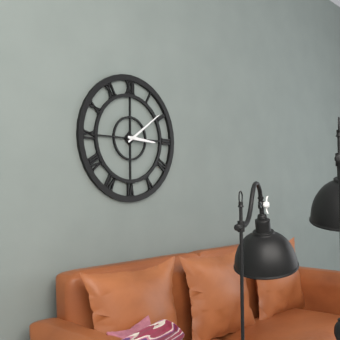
**3:09**
